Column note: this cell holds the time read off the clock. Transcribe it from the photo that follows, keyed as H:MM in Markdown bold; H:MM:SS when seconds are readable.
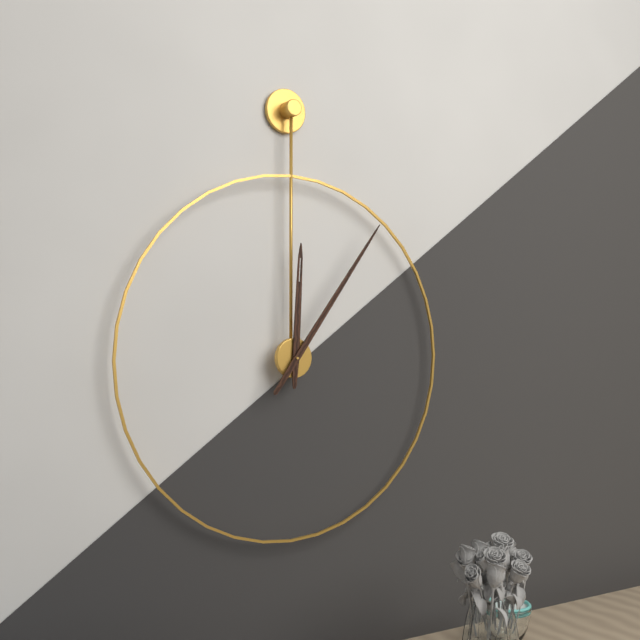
**12:06**
